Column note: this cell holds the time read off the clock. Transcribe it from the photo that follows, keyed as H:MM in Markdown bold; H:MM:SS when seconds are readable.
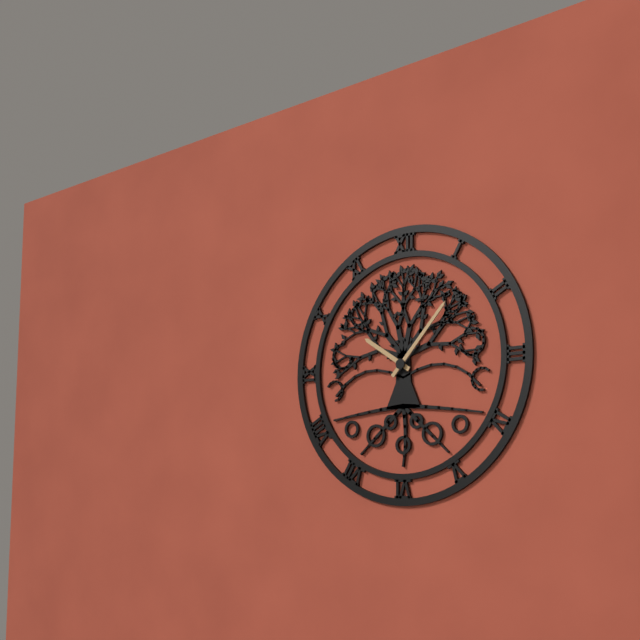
**10:07**
